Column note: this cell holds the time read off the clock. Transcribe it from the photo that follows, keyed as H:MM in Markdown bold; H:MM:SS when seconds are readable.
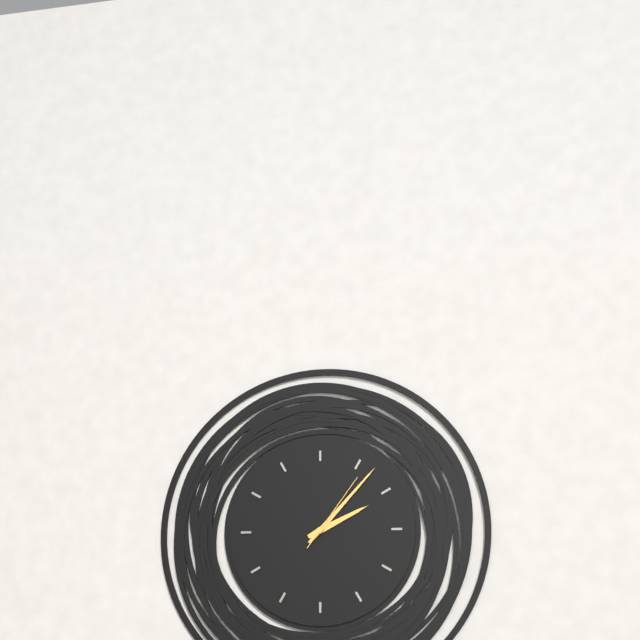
**2:07:06**
